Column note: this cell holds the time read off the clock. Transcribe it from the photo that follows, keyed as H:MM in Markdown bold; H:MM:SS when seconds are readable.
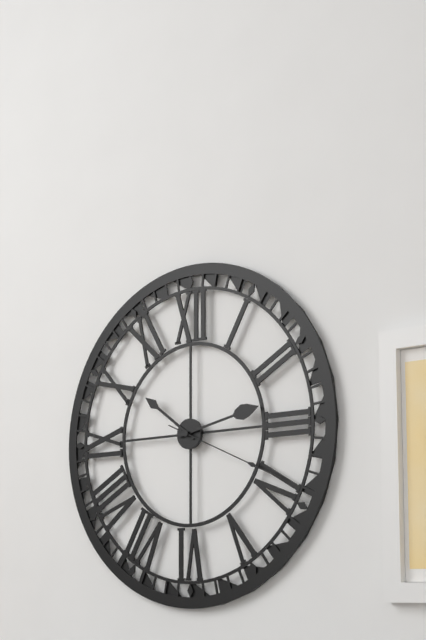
**10:13:19**
